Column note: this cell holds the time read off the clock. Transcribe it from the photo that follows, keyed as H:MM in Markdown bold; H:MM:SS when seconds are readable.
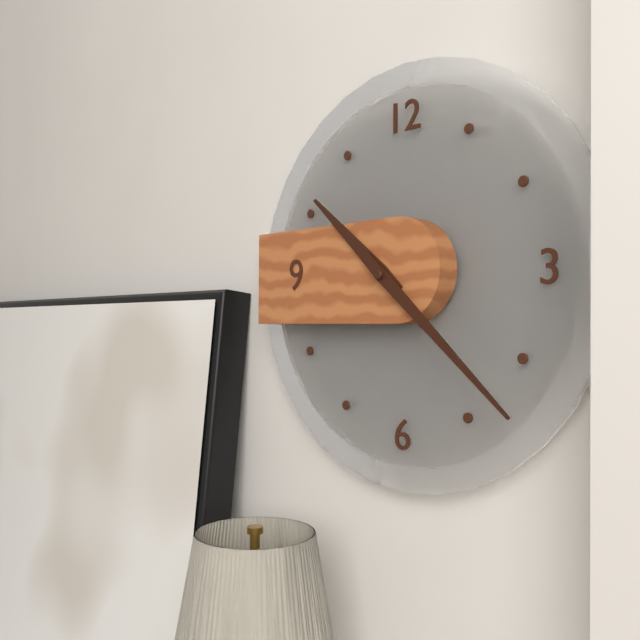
**10:22**
